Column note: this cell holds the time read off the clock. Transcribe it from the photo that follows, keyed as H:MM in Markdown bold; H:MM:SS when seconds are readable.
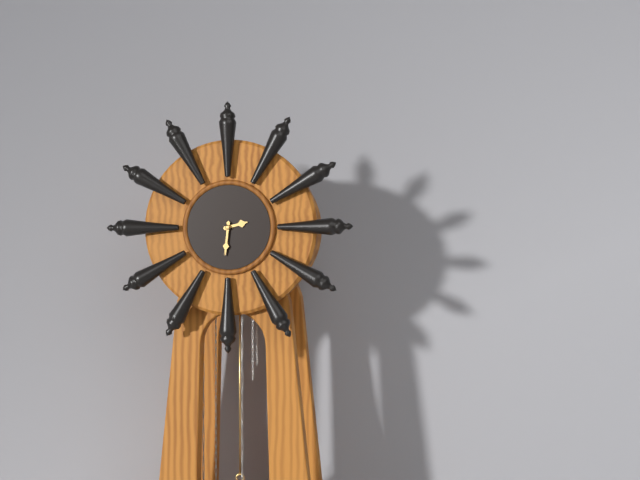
**2:31**
